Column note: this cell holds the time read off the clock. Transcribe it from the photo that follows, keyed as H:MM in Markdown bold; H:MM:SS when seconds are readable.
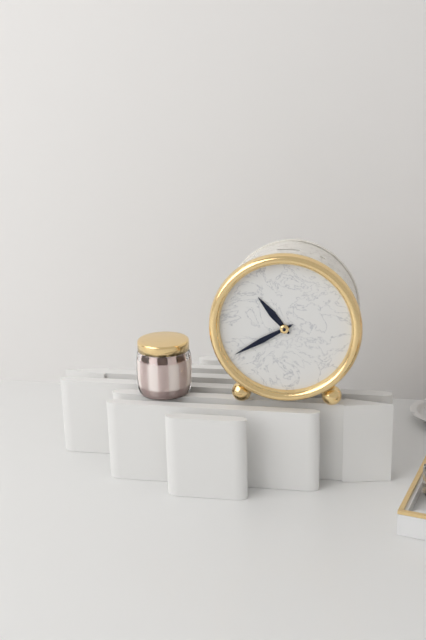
**10:40**
